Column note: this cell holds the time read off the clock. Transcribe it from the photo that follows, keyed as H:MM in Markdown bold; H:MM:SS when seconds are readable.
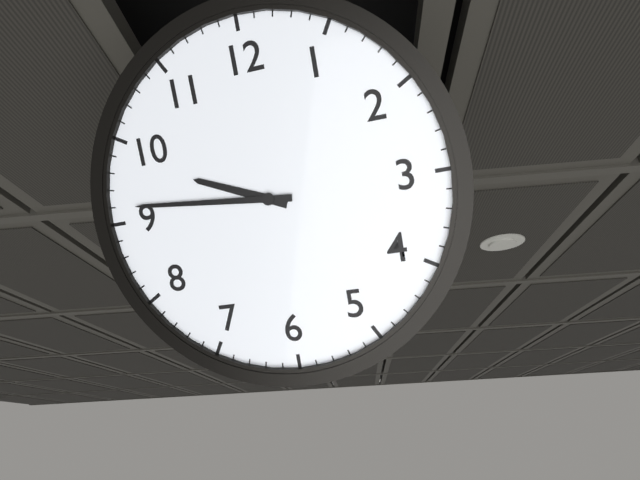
**9:46**
